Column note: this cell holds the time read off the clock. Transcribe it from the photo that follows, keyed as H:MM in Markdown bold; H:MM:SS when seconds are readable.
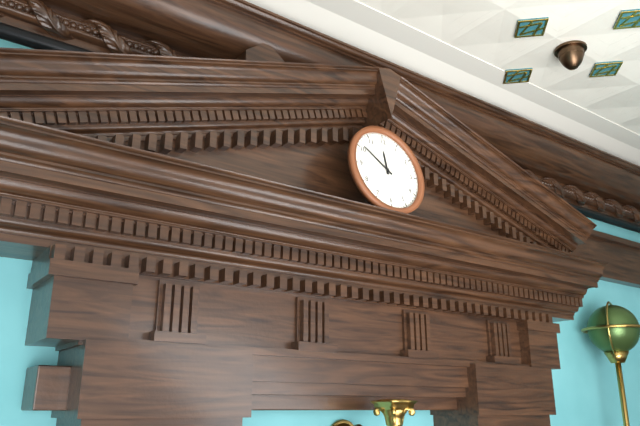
**11:51**
